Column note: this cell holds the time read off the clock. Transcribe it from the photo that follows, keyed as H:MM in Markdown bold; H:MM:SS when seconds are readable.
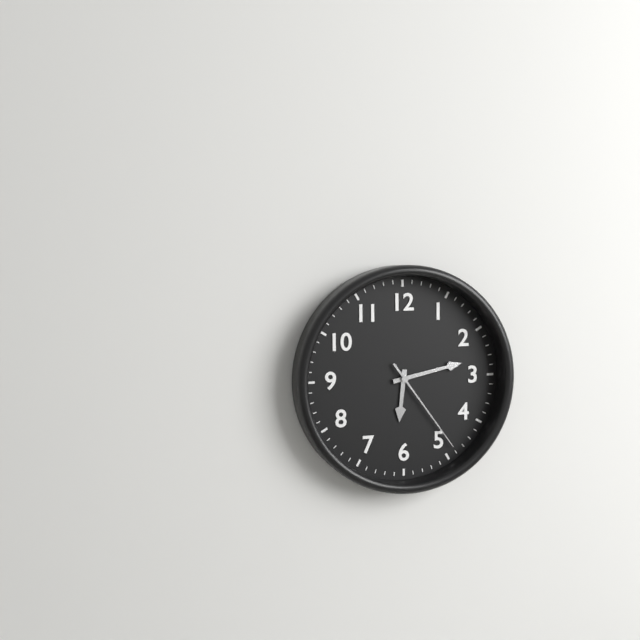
**6:13:24**
